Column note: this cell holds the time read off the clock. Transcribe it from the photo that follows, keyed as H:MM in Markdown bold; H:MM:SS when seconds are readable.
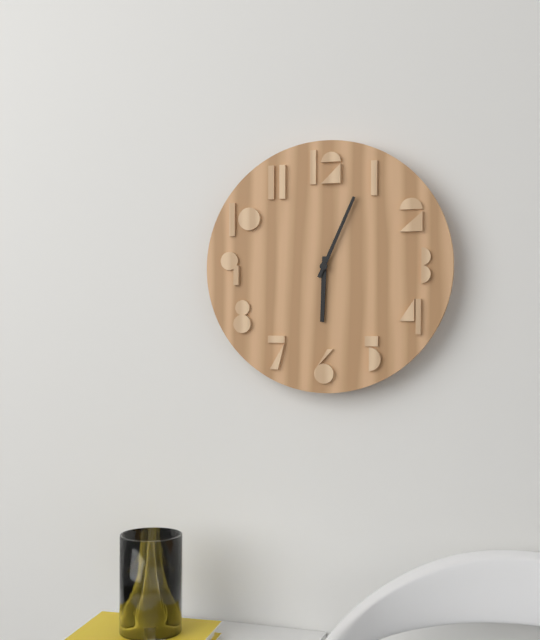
**6:04**
